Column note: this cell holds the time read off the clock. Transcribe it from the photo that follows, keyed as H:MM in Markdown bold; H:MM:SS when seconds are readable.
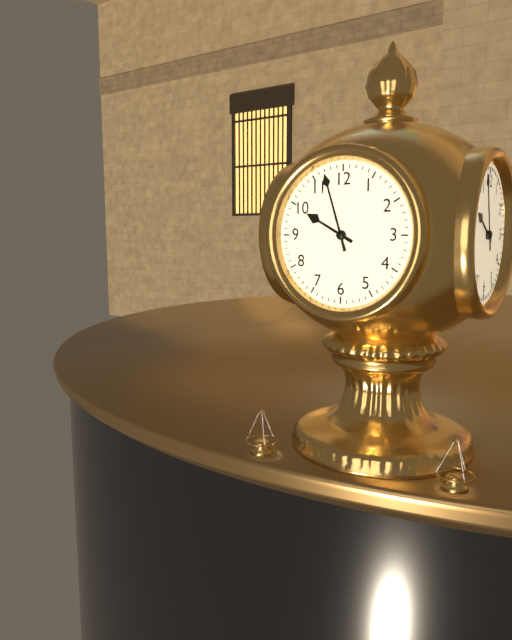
**9:57**
